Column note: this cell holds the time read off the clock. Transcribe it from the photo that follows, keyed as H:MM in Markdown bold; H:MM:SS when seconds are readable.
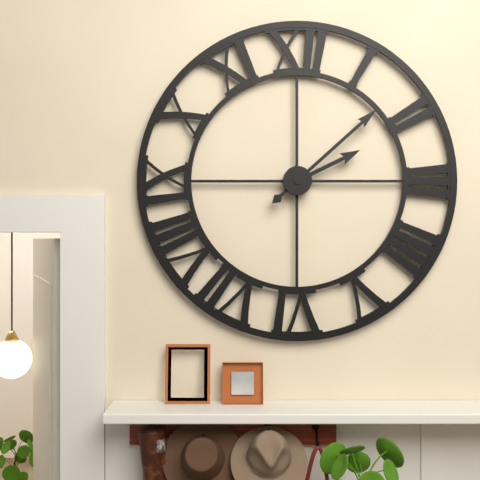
**2:08**
